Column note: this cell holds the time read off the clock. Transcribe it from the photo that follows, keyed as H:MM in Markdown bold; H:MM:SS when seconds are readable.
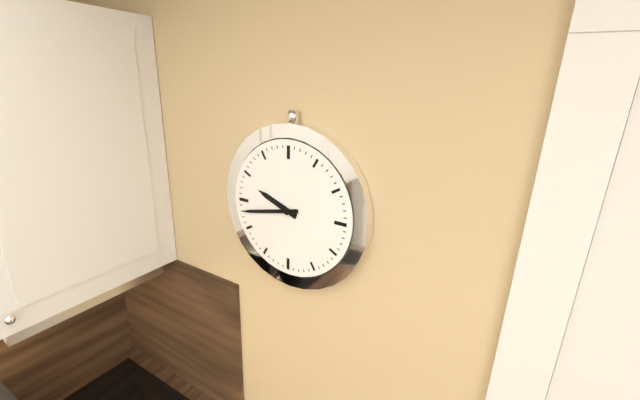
**9:43**
